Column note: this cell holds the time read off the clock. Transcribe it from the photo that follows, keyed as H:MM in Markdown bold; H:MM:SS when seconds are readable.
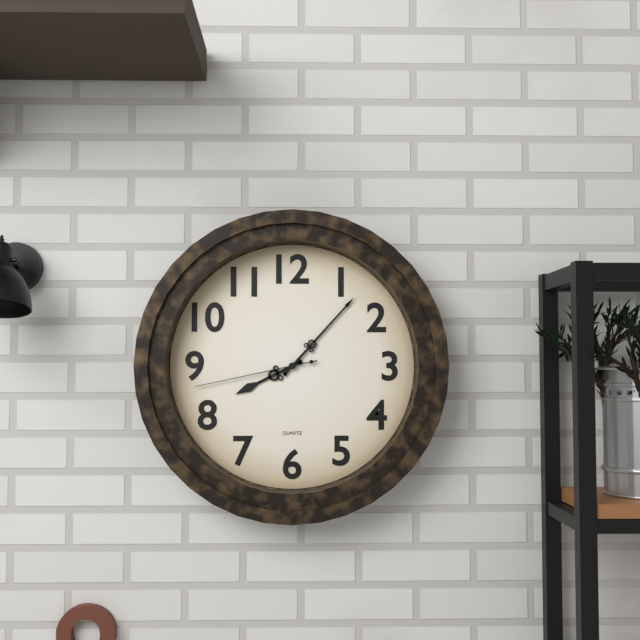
**8:07:43**
